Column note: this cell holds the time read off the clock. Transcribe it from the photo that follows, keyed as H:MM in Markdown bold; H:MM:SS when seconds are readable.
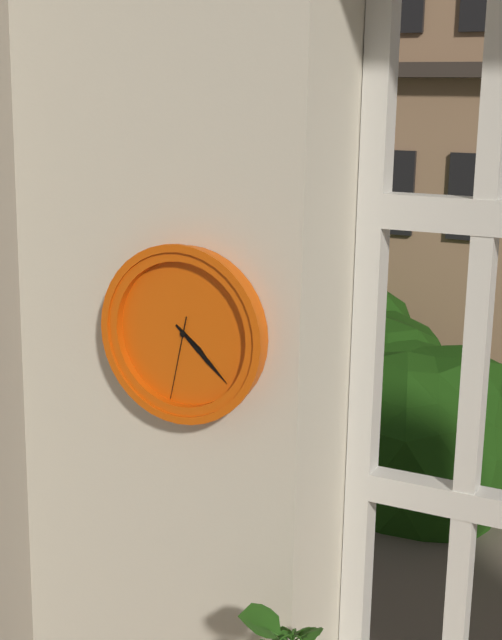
**4:22:32**
